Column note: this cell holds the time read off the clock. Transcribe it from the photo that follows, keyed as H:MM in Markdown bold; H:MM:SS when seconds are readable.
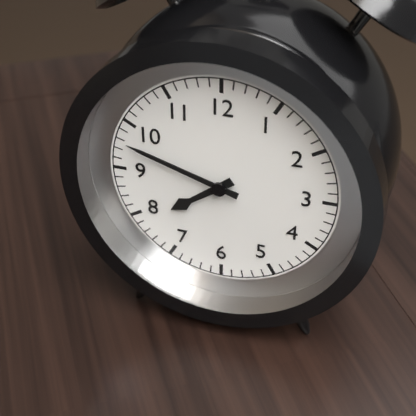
**7:48**
